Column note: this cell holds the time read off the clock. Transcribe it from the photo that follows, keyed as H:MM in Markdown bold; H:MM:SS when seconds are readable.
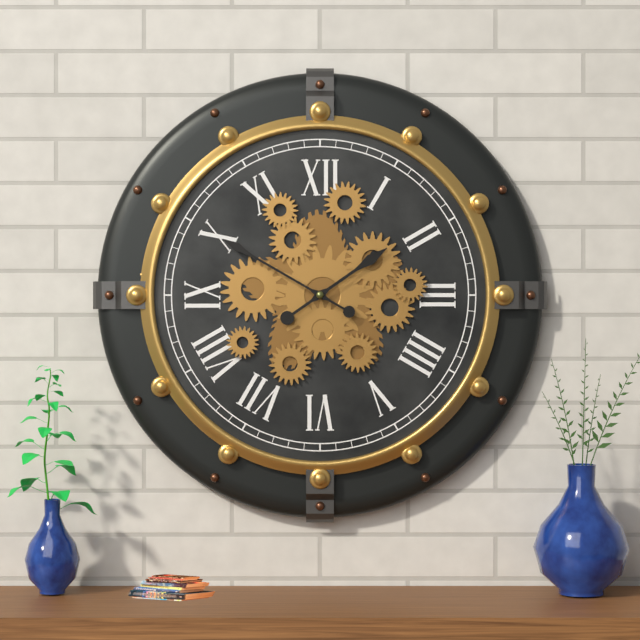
**1:50**
